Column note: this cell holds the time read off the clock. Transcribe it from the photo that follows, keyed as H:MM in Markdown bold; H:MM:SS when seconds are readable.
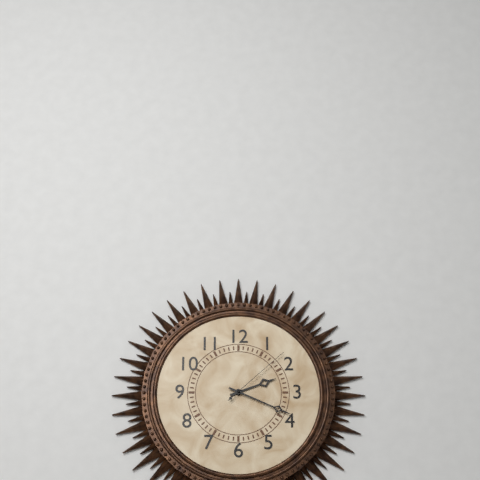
**2:19:08**
